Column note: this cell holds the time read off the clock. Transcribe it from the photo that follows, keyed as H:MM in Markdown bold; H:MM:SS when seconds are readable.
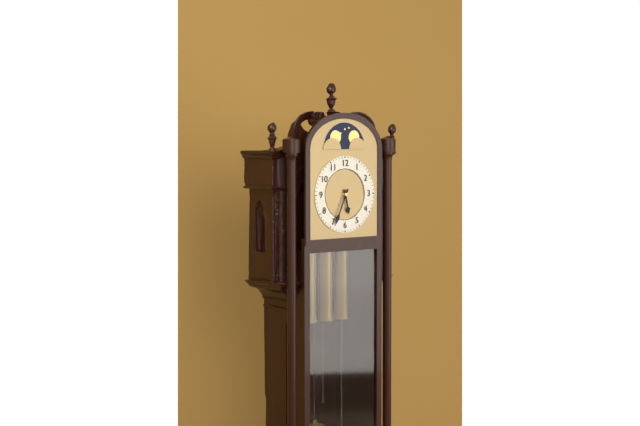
**5:34**
